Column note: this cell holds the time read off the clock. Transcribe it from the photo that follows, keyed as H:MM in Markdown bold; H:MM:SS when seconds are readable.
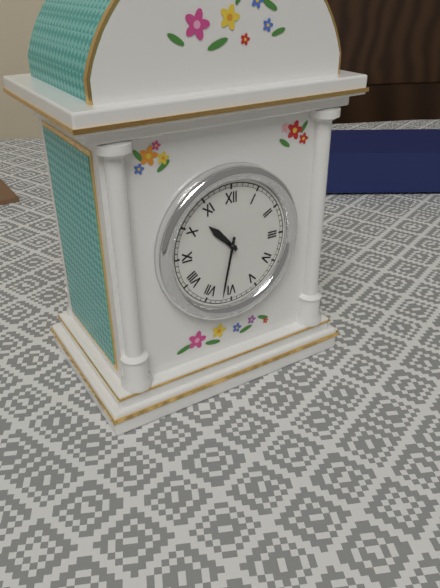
**10:32**
